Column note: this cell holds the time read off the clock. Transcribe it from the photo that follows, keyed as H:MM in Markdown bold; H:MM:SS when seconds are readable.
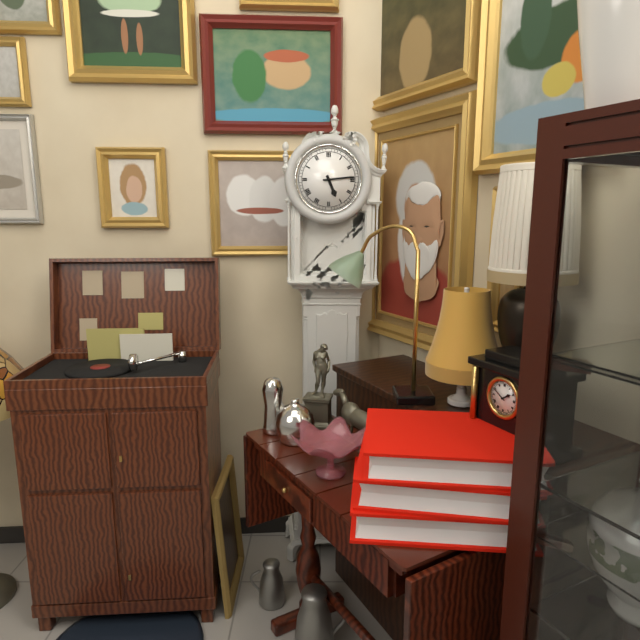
**5:14**
